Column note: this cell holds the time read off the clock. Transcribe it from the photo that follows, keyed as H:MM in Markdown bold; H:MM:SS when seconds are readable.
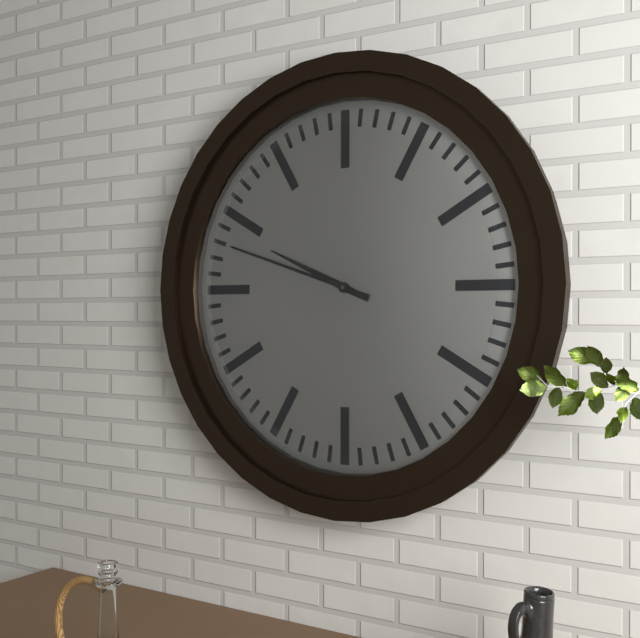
**9:48**
